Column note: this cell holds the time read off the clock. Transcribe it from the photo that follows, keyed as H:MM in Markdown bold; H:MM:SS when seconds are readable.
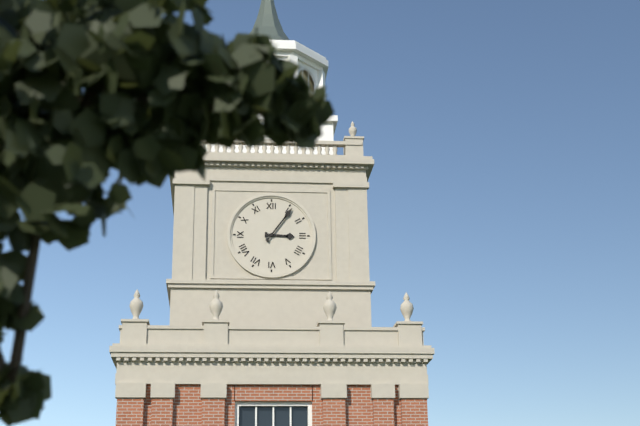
**3:06**
